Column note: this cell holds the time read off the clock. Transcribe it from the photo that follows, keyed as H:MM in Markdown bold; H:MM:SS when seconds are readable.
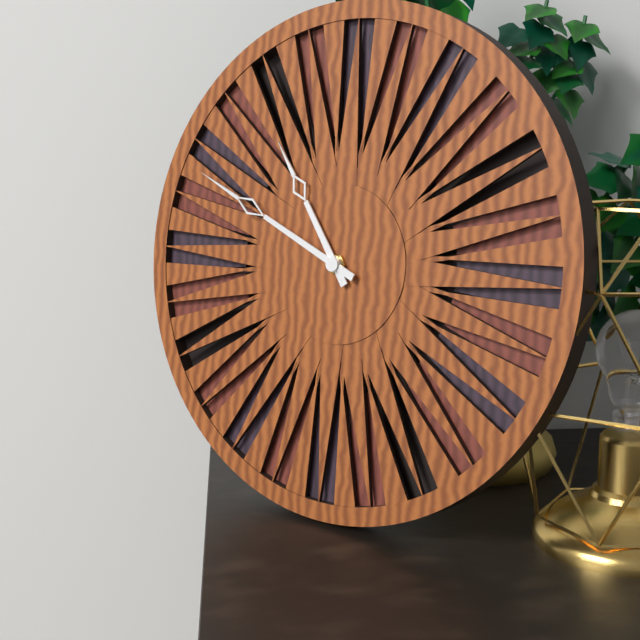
**10:49**
